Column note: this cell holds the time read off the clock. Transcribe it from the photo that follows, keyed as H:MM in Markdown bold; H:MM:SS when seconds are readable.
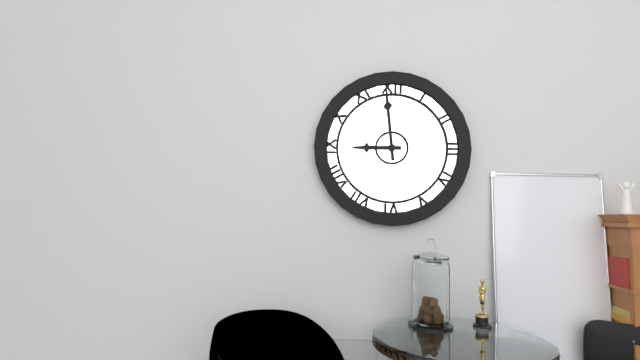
**8:59**
